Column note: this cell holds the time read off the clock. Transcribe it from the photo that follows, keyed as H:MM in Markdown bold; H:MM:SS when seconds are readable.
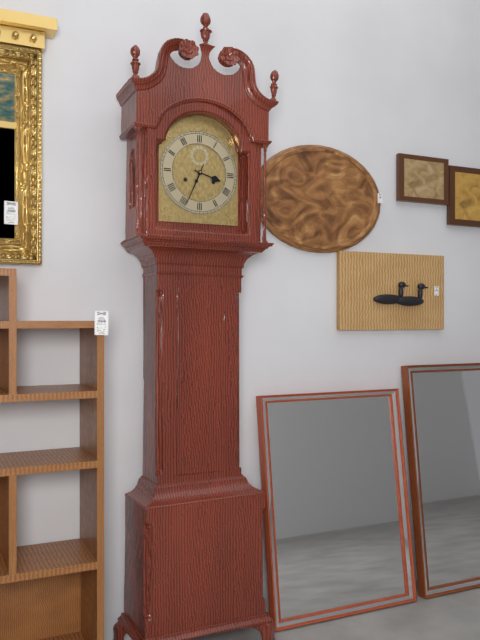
**3:34**
